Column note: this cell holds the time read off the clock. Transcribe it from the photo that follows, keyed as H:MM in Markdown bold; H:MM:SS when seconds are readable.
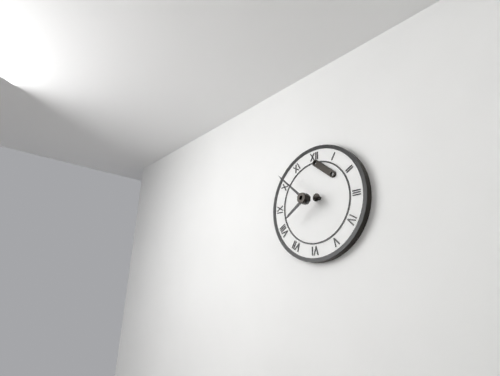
**7:52**
